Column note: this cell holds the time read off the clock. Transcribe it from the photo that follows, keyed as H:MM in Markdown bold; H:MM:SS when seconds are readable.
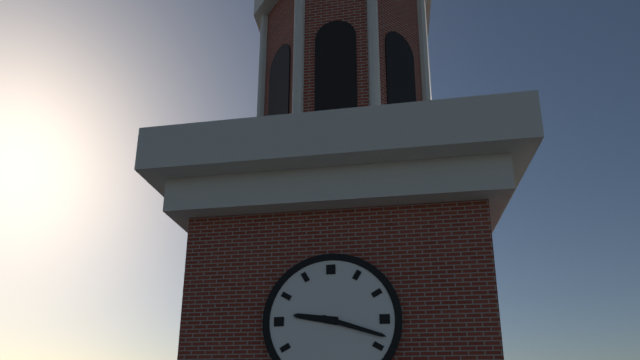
**9:18**
